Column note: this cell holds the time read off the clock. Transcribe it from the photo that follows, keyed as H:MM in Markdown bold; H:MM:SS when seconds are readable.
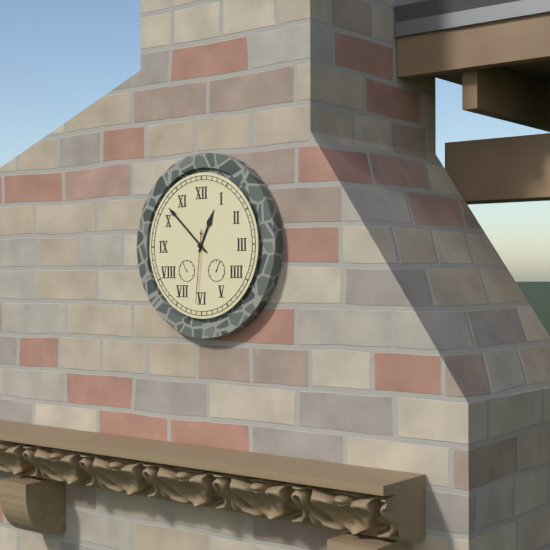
**12:52:31**
